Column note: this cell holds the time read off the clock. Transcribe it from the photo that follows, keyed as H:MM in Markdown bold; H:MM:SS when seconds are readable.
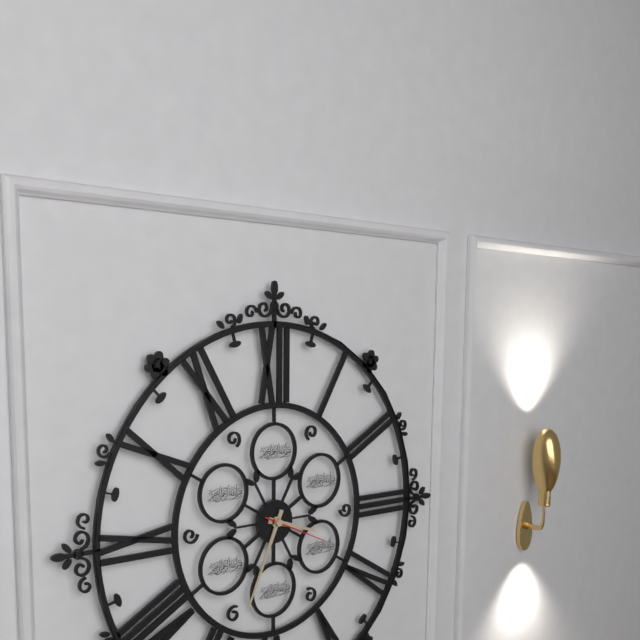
**3:34:19**
